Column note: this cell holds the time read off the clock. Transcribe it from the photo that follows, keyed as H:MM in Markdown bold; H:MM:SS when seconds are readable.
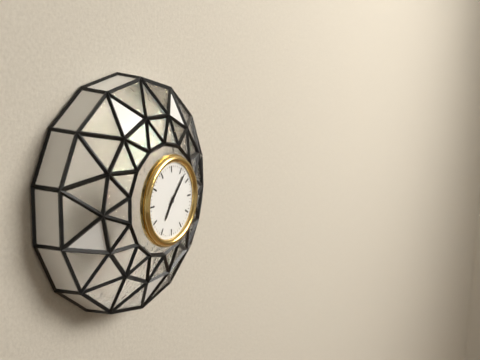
**7:07**
